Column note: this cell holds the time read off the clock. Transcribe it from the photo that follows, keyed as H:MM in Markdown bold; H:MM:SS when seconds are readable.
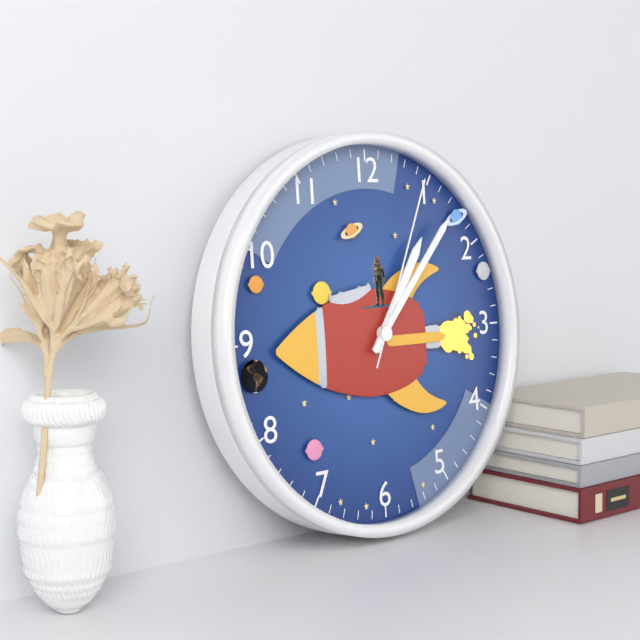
**1:07:04**
